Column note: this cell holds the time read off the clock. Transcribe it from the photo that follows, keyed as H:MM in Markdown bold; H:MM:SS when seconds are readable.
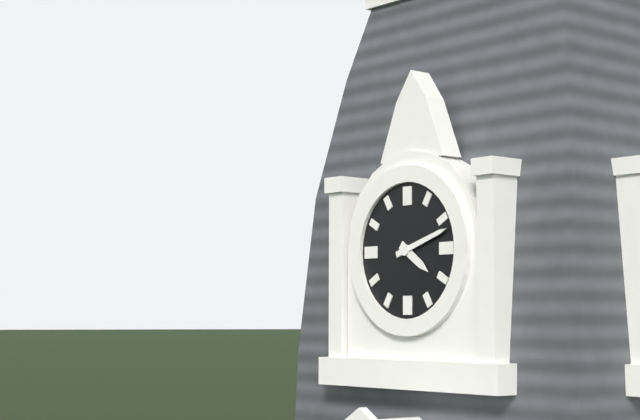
**4:12**
